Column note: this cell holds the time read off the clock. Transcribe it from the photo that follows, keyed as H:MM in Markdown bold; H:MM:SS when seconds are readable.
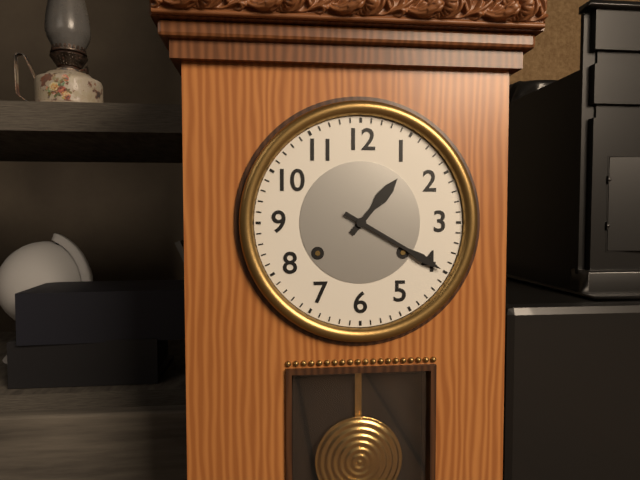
**1:20**
